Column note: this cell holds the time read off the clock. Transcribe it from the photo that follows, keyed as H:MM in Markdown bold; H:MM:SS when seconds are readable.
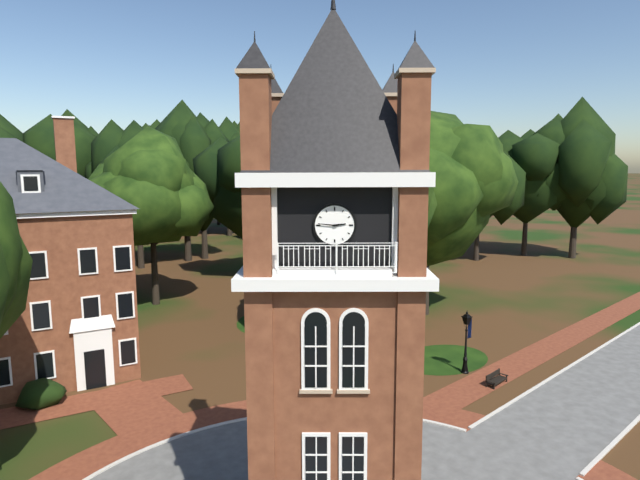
**2:46**
